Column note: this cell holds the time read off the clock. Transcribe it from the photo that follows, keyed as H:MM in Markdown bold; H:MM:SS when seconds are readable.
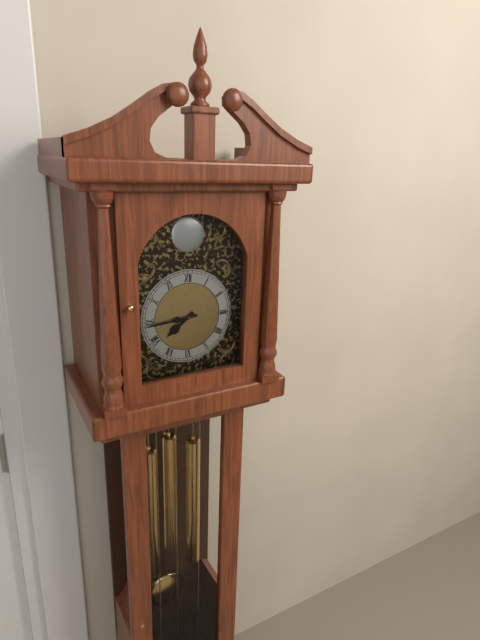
**7:44**
